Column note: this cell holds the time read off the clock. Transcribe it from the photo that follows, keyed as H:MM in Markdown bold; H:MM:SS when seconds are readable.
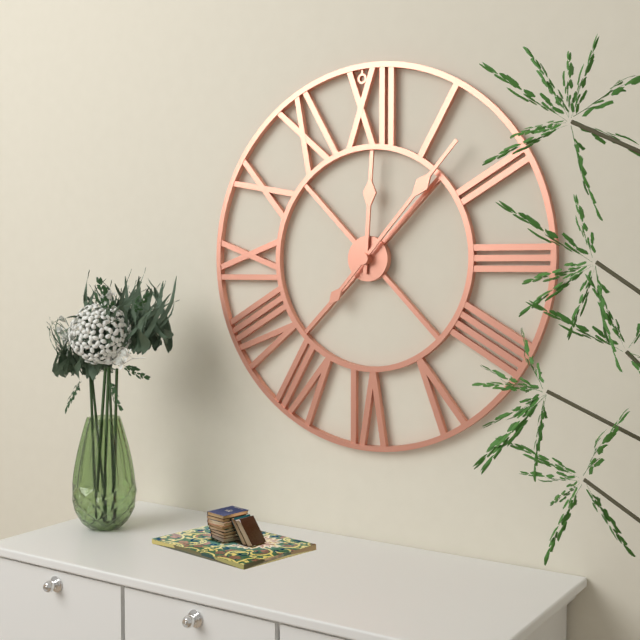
**12:07**
